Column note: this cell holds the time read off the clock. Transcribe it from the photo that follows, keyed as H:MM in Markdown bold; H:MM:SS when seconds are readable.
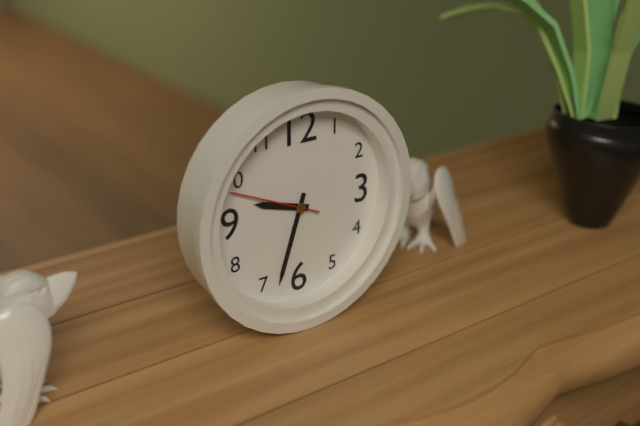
**9:33:49**
